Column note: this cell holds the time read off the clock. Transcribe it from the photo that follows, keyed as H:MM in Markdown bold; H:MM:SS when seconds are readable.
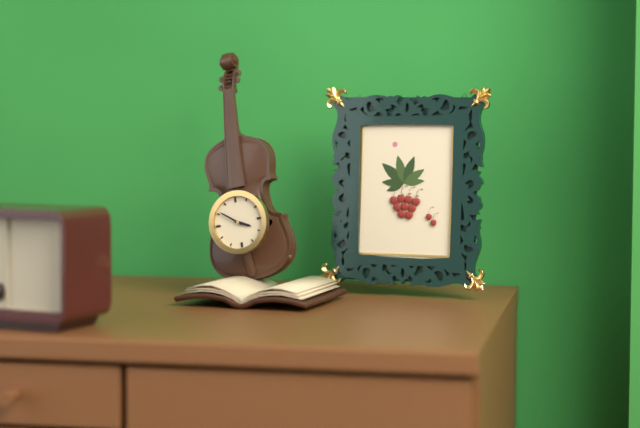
**3:51**
